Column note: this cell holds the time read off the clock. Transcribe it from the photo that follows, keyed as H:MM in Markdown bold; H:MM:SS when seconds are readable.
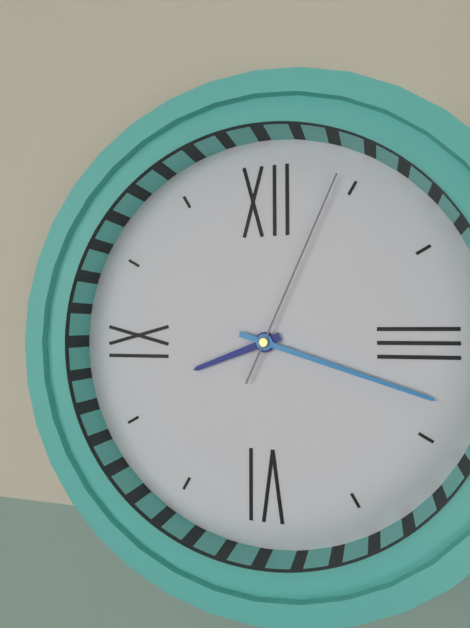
**8:18:04**
